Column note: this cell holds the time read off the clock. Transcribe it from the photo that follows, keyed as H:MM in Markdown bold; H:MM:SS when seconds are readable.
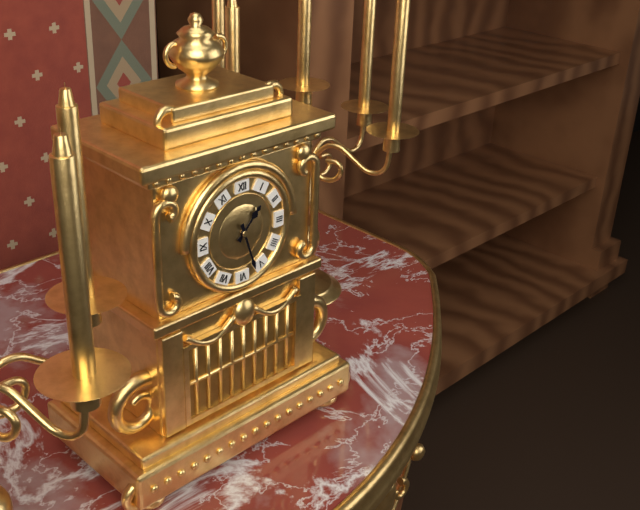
**1:27**
